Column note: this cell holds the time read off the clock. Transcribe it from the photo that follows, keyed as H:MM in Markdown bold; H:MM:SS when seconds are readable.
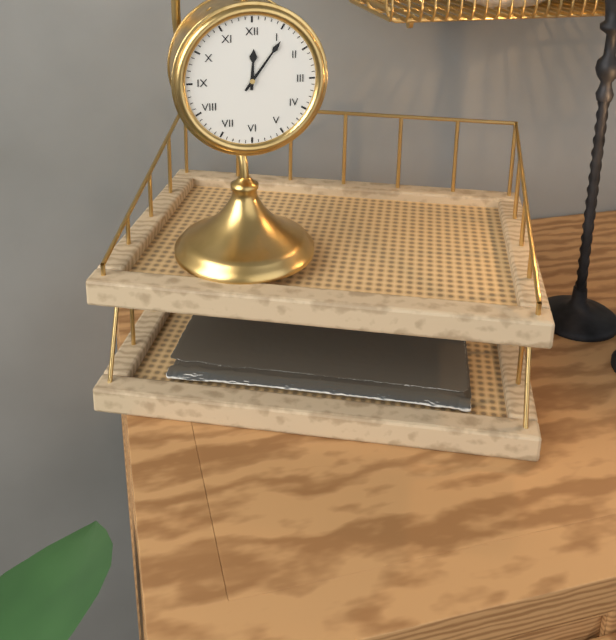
**12:06**
